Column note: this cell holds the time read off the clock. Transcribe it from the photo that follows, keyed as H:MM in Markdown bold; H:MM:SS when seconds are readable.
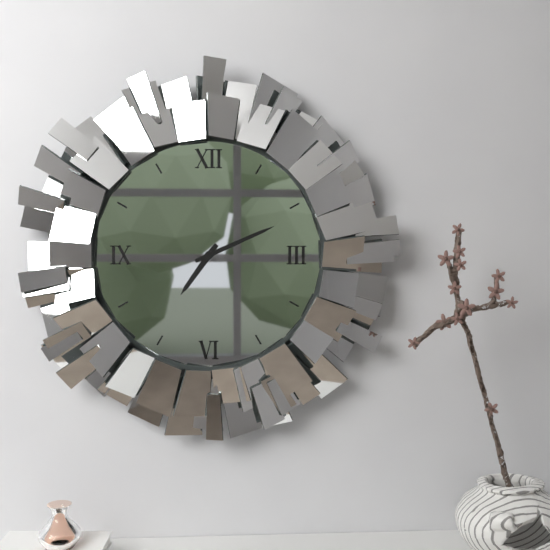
**7:11**
